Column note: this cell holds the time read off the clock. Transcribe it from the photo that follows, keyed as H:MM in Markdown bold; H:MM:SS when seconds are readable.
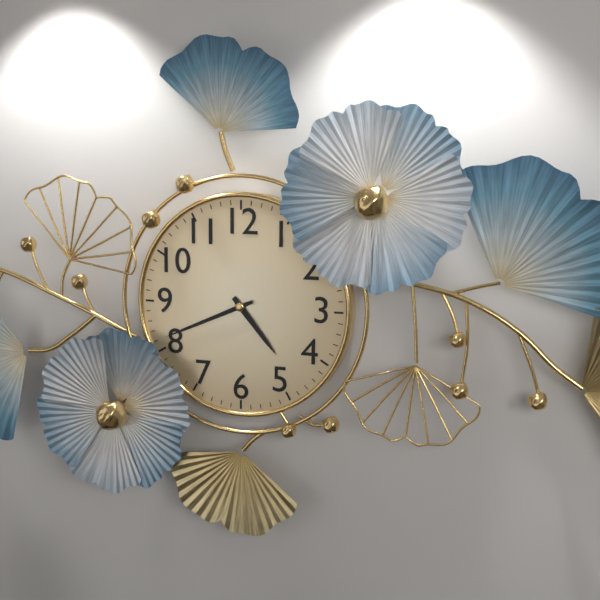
**4:41**
